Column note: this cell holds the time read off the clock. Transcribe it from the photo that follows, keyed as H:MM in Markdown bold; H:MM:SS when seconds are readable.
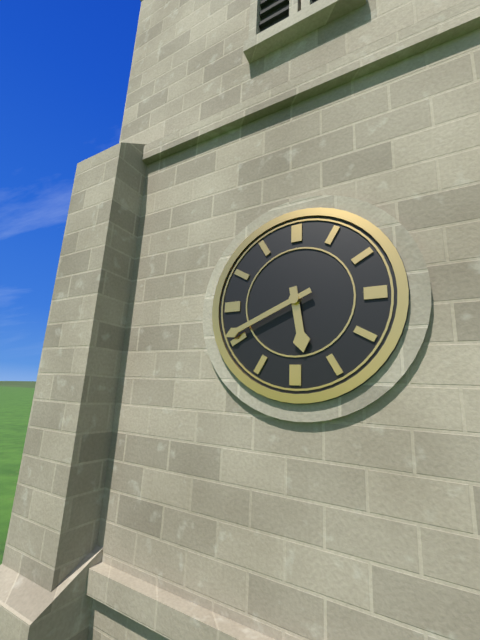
**5:41**
